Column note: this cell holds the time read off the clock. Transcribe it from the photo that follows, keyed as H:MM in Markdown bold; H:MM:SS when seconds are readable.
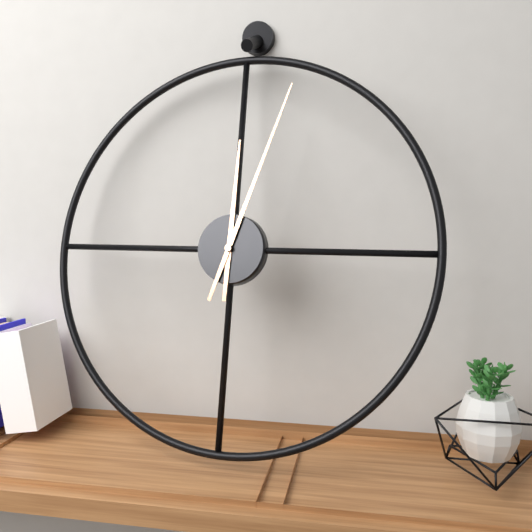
**12:03**
